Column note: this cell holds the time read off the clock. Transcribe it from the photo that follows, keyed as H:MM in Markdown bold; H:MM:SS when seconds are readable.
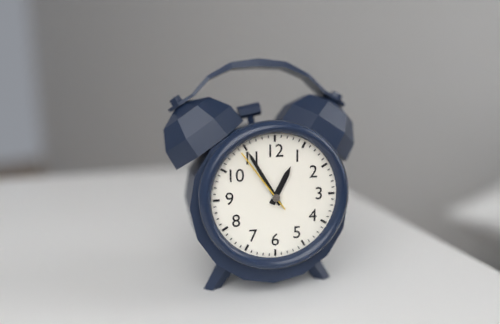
**12:55:54**
